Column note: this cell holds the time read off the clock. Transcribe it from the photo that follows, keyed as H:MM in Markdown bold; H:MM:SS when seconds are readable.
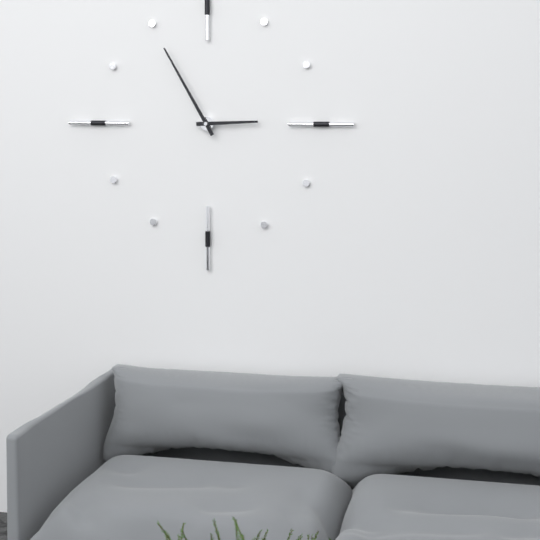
**2:55**
